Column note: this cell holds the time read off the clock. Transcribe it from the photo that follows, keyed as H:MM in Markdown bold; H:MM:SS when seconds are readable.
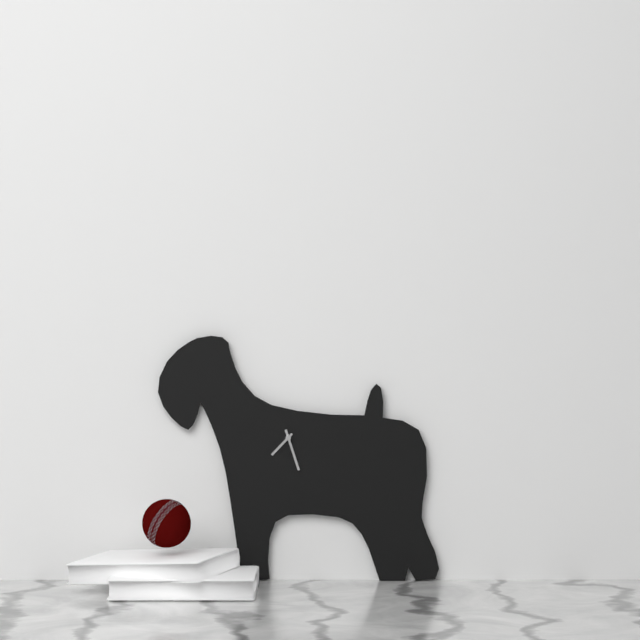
**7:27**
